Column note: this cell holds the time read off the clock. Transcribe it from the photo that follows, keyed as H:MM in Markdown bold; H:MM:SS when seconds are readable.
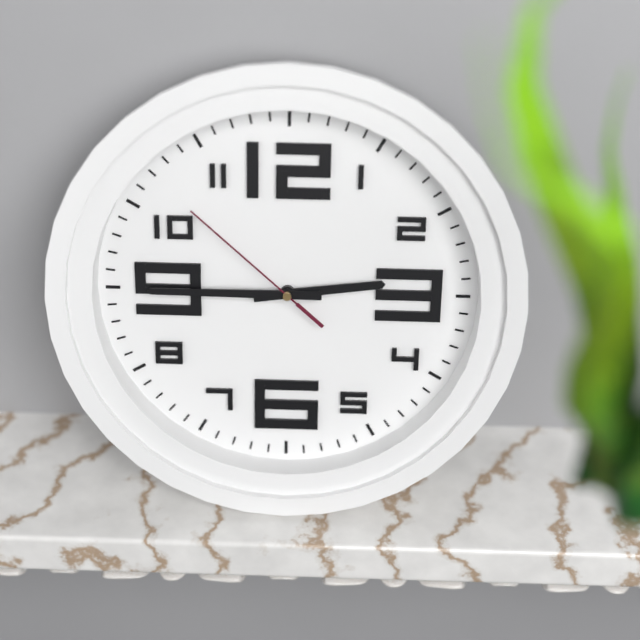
**2:45:52**
